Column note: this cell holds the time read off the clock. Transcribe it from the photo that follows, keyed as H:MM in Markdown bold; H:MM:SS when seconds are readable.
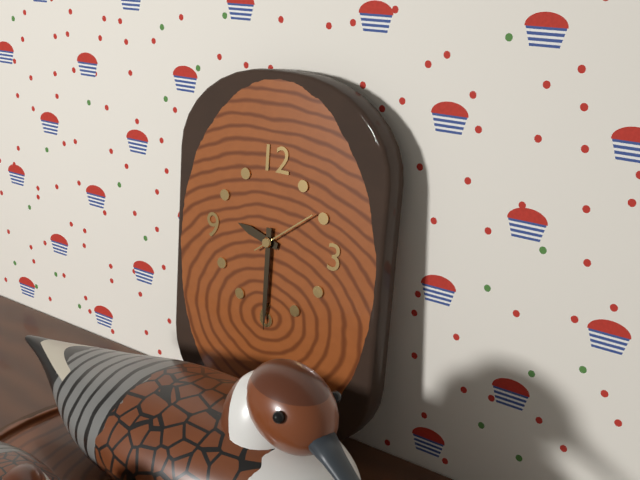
**9:30:09**
